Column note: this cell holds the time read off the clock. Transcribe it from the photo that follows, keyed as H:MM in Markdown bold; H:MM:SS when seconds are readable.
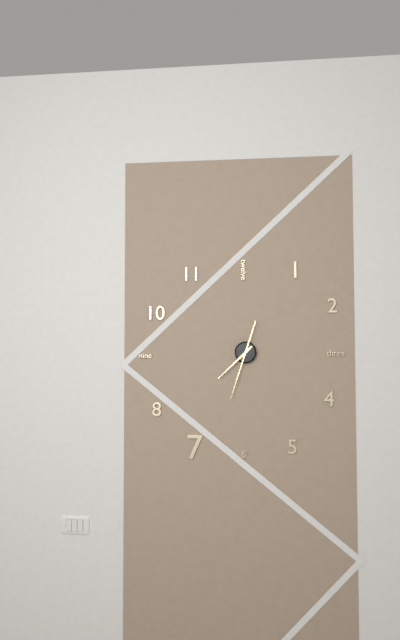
**7:33**
